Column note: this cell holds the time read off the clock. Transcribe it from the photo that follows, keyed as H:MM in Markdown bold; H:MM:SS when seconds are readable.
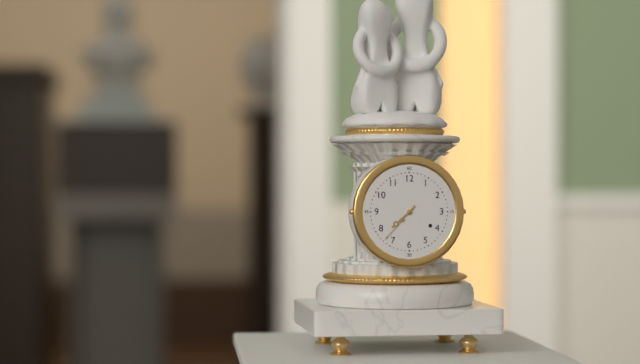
**7:37**
